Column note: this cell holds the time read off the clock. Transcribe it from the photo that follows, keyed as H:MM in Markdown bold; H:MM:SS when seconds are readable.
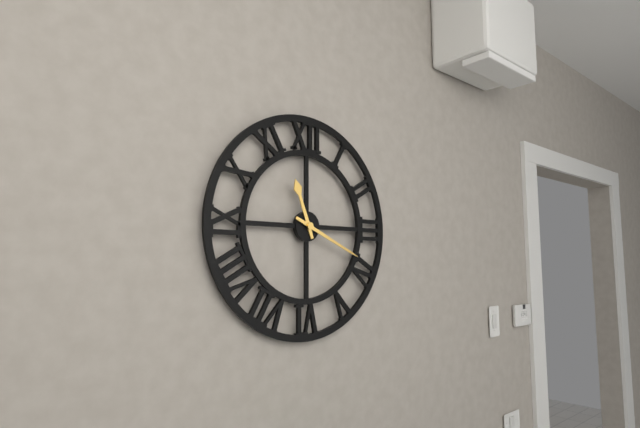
**11:19**
